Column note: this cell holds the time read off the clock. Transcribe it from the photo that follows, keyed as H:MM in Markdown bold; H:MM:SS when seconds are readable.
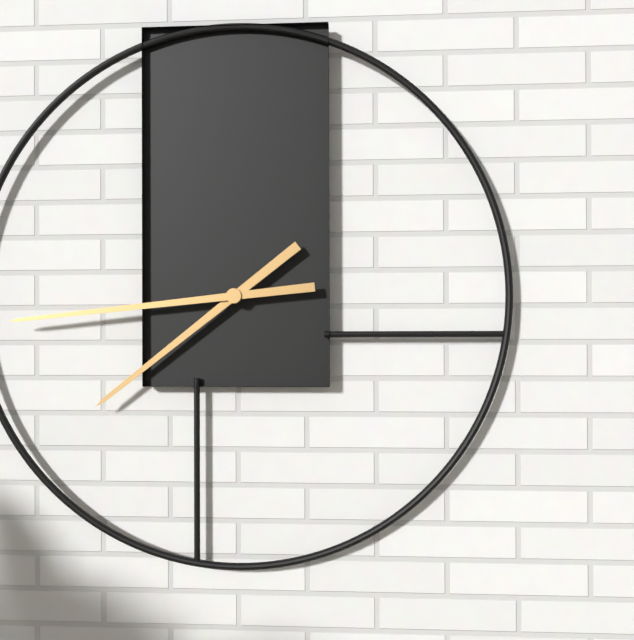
**7:44**
